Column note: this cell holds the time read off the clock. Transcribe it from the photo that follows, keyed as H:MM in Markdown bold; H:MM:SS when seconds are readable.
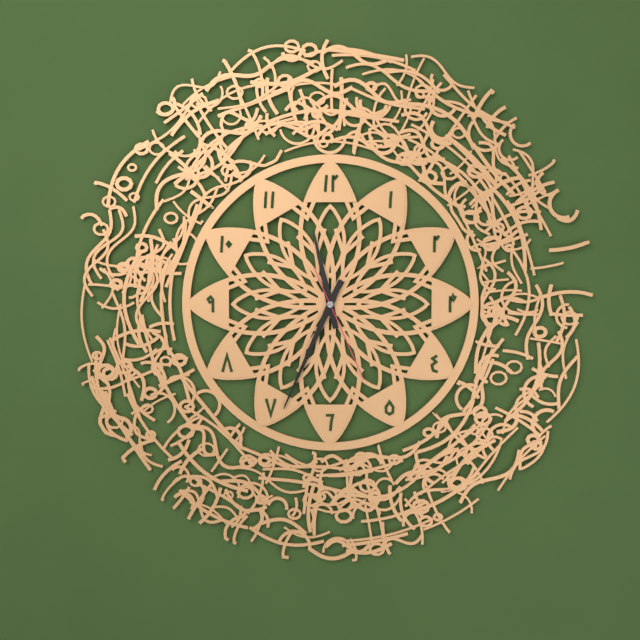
**11:34:26**
